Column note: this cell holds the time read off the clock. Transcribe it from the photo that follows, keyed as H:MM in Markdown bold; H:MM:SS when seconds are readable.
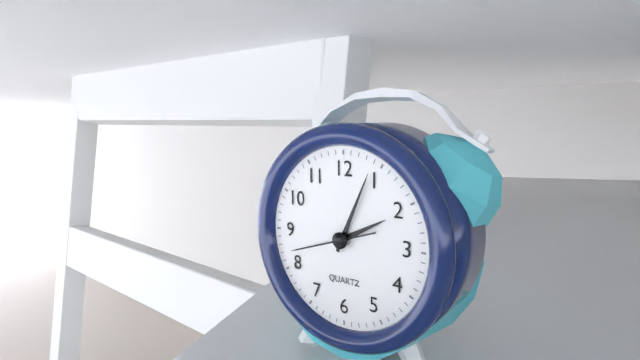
**2:04:42**
